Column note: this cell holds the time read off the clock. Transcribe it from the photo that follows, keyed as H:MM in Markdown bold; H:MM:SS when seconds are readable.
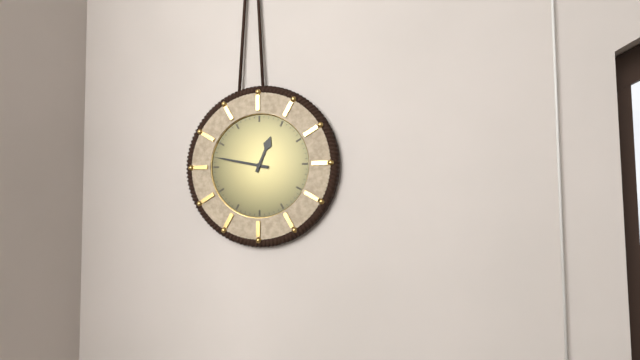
**12:47**
